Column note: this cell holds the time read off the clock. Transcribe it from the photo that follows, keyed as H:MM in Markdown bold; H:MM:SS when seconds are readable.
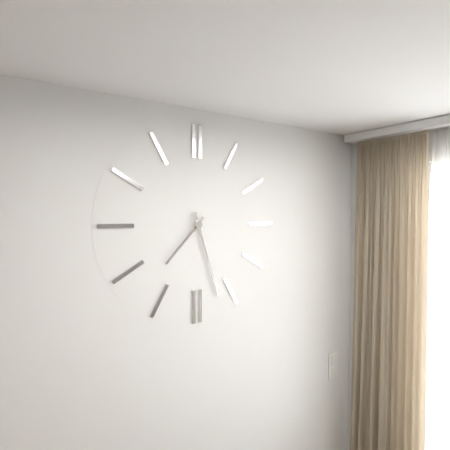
**7:27**
